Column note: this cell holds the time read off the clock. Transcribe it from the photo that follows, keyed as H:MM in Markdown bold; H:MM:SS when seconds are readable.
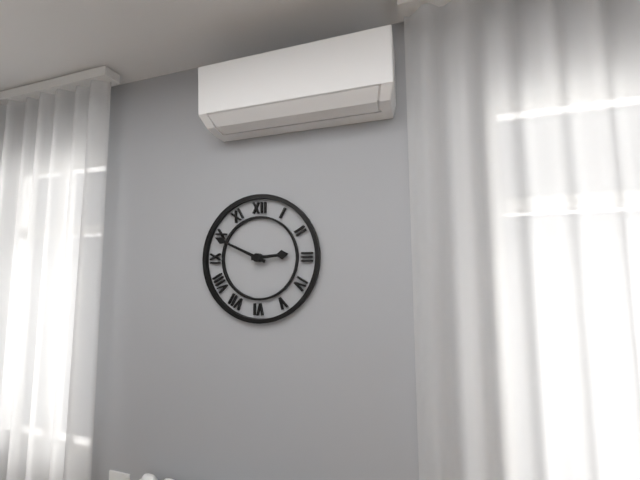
**2:49**
